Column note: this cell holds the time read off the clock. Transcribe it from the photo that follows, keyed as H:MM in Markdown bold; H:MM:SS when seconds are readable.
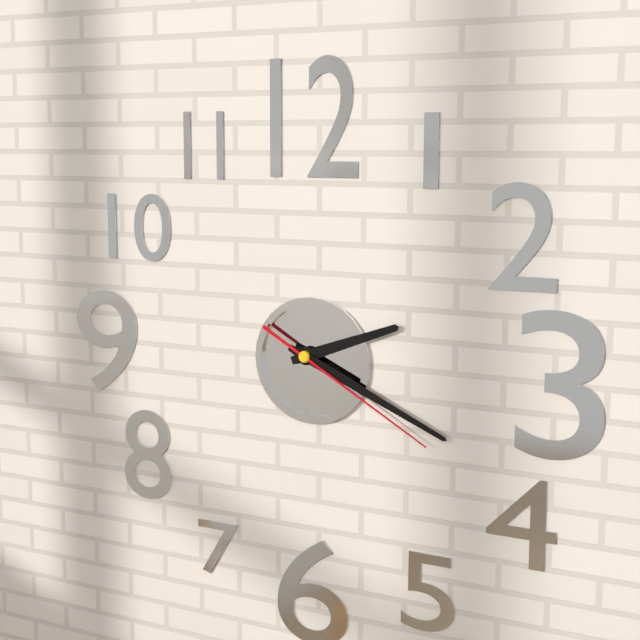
**2:19:20**
